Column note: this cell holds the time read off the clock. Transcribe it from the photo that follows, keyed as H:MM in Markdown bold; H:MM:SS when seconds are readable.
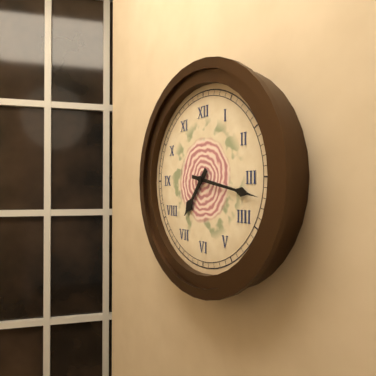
**7:17**
